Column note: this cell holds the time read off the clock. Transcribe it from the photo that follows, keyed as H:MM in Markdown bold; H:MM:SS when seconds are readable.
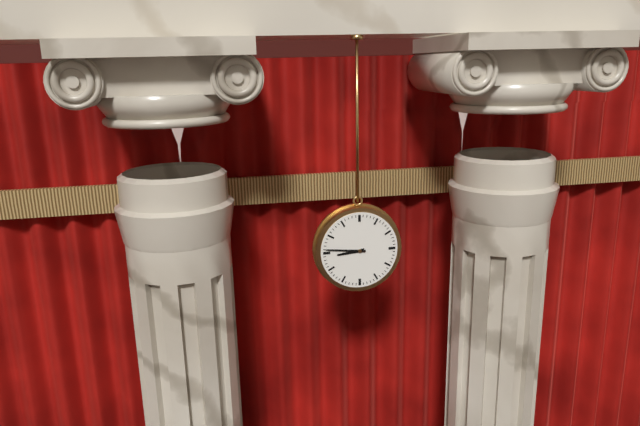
**8:46**
